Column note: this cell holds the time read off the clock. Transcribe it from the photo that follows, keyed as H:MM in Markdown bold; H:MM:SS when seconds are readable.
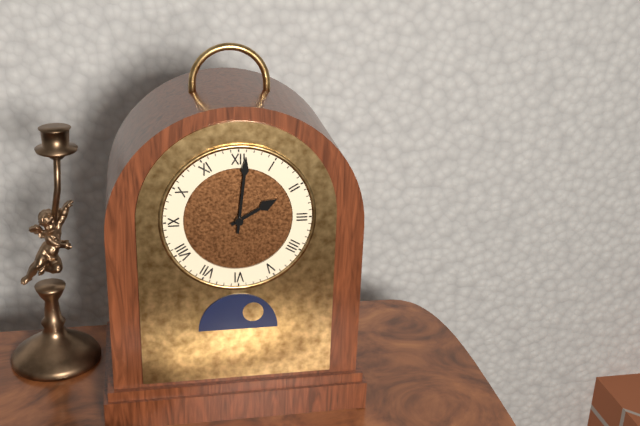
**2:01**
